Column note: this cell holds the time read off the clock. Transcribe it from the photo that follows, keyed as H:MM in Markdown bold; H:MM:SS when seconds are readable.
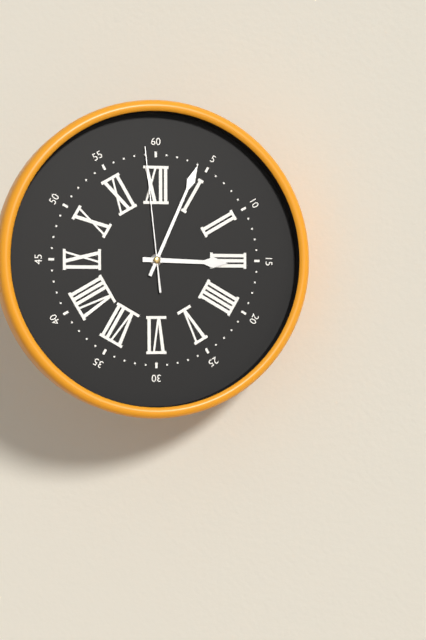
**3:04:59**
